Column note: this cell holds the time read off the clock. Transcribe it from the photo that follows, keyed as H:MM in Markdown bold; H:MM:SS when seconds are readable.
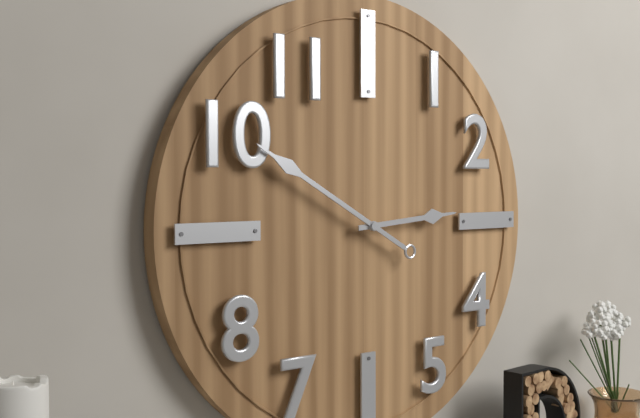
**2:50**
